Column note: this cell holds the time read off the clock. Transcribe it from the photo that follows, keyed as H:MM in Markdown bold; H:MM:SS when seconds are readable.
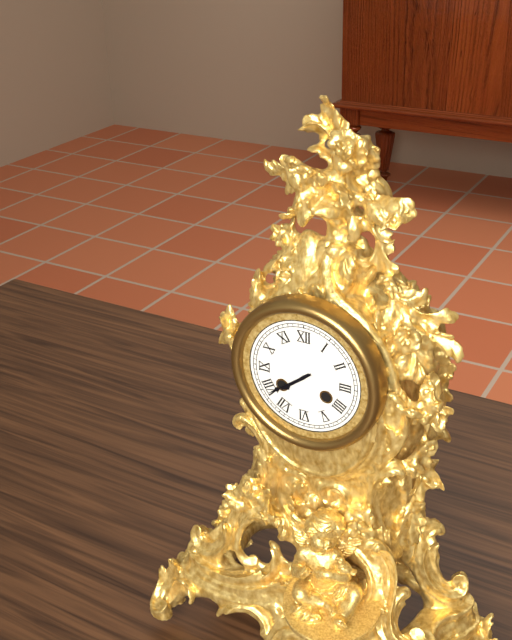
**7:39**
